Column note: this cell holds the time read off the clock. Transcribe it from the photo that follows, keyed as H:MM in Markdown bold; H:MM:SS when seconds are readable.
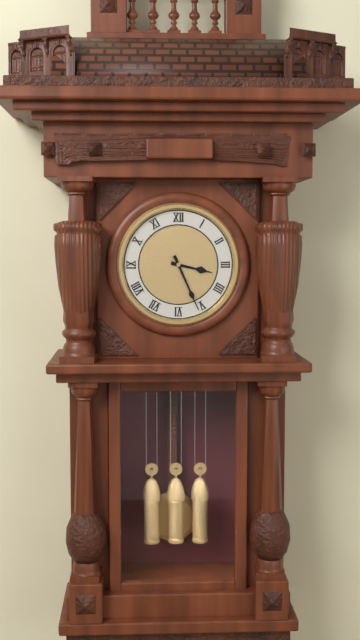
**3:26**
